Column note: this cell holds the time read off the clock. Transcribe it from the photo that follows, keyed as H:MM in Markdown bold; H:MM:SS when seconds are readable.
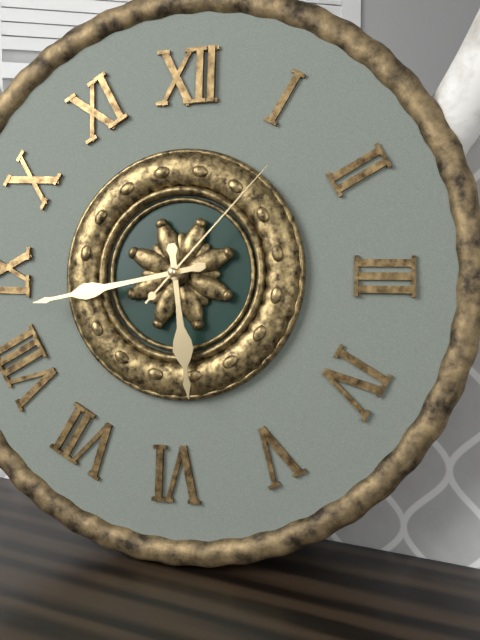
**5:43:07**
